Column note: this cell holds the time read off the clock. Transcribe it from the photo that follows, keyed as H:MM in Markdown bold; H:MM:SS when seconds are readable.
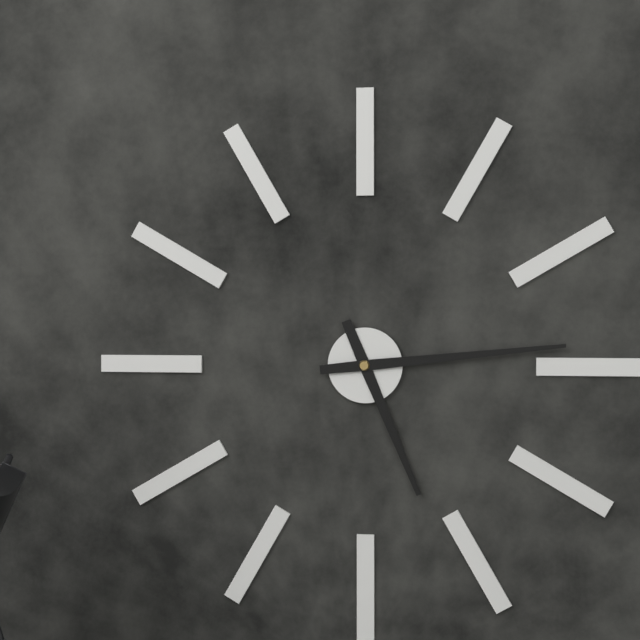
**5:14**
